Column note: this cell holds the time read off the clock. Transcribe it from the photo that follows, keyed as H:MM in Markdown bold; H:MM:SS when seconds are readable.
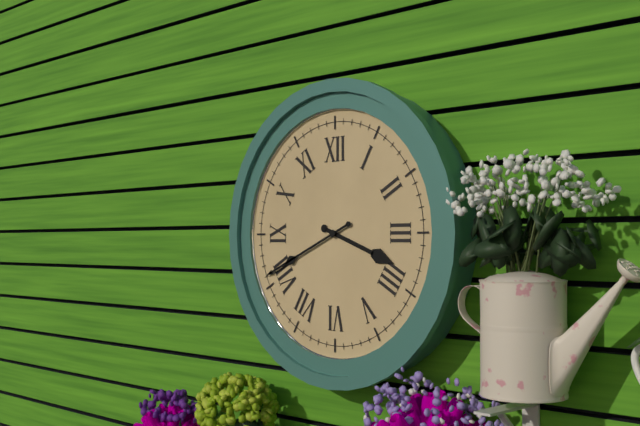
**3:41**
